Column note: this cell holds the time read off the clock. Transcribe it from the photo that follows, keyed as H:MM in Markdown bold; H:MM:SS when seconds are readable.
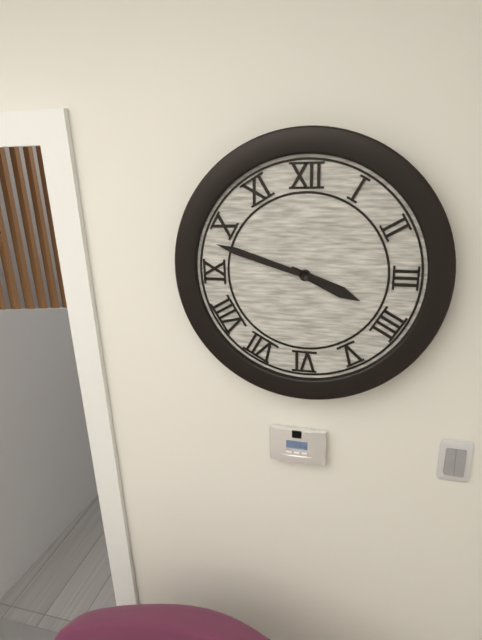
**3:48**
